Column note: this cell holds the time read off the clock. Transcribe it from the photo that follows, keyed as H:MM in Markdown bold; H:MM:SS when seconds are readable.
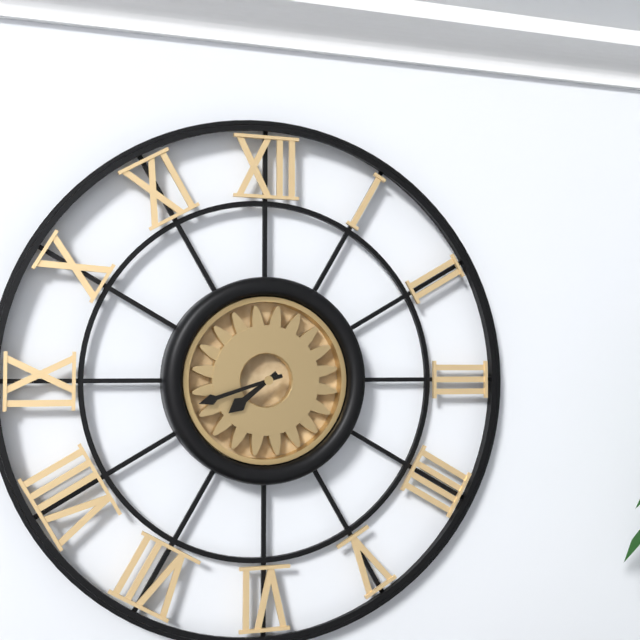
**7:42**
